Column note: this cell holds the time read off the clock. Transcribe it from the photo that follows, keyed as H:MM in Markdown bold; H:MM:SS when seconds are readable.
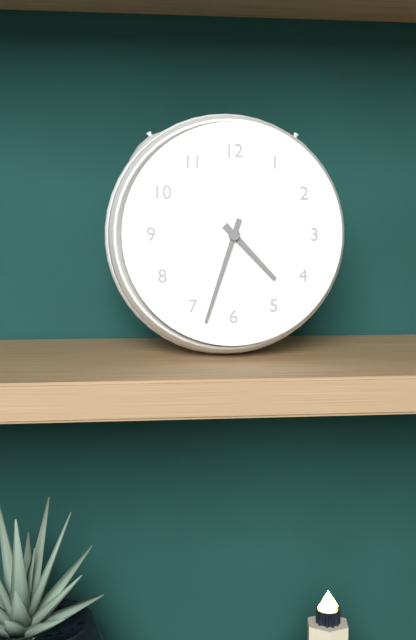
**4:33**
